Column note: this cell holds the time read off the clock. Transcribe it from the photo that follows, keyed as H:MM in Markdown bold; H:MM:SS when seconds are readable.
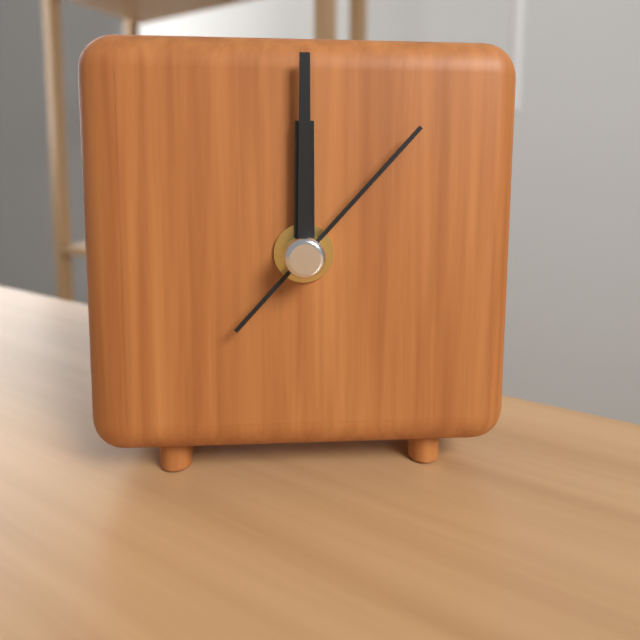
**12:00:07**
